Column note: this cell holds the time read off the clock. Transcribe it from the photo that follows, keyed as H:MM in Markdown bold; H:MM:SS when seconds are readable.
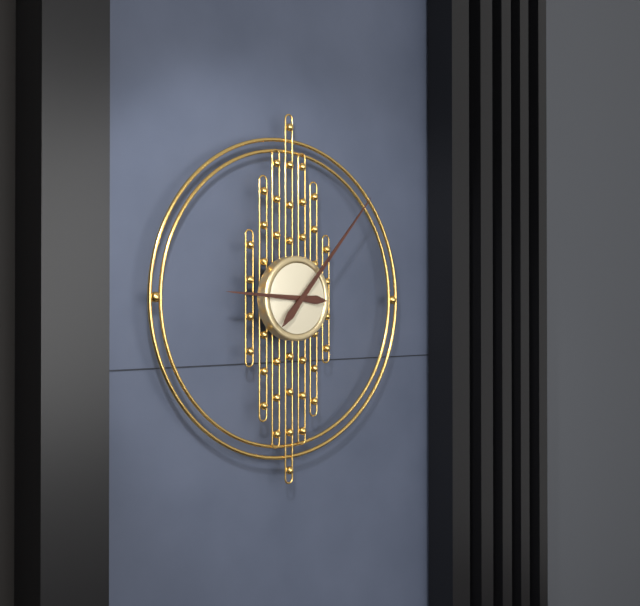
**9:07**
